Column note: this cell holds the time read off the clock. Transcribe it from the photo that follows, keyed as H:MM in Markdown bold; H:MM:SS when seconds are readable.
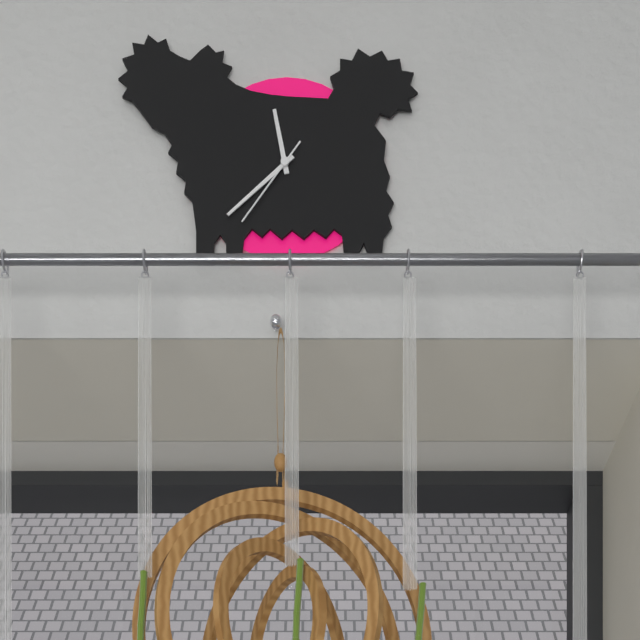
**11:38:36**
